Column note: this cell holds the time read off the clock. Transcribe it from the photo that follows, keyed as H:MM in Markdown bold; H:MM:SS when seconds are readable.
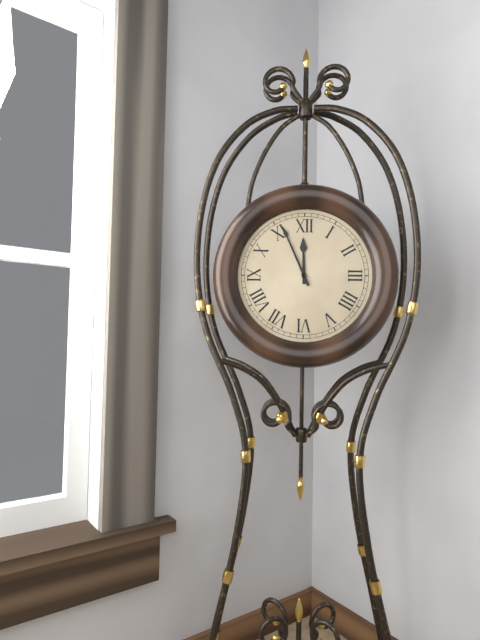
**11:56**
